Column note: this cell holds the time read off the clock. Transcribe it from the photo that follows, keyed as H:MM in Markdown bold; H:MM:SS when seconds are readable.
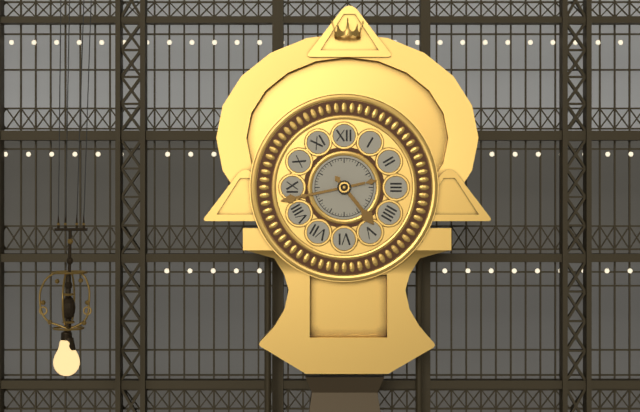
**4:43**
